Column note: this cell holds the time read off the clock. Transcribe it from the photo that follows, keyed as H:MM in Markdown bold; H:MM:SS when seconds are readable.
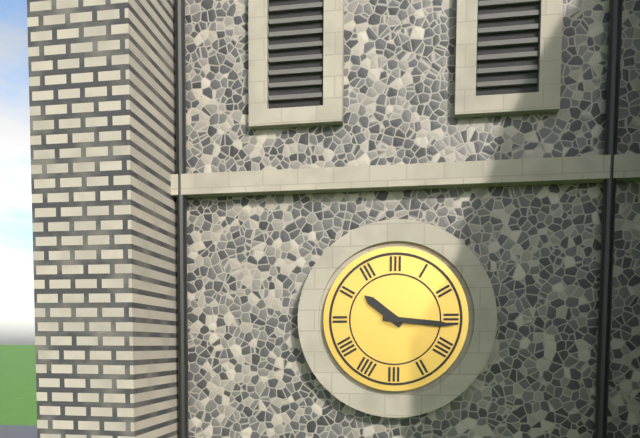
**10:16**
